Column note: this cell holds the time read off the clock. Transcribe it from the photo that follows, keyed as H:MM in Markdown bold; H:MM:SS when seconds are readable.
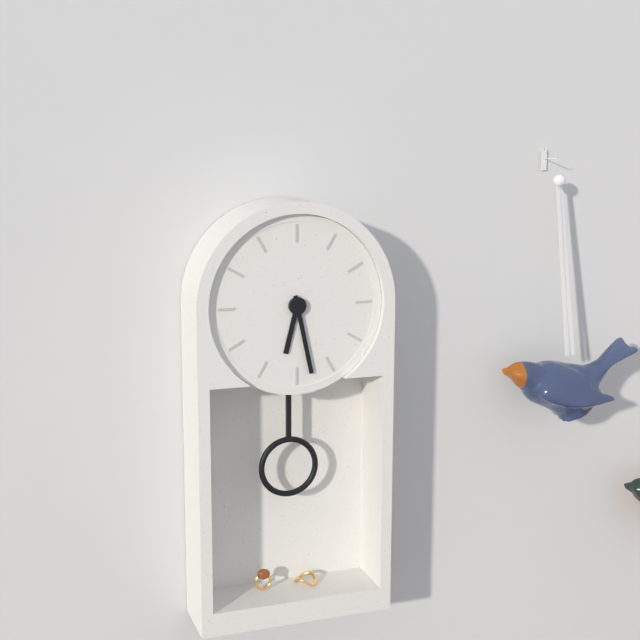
**6:28**
